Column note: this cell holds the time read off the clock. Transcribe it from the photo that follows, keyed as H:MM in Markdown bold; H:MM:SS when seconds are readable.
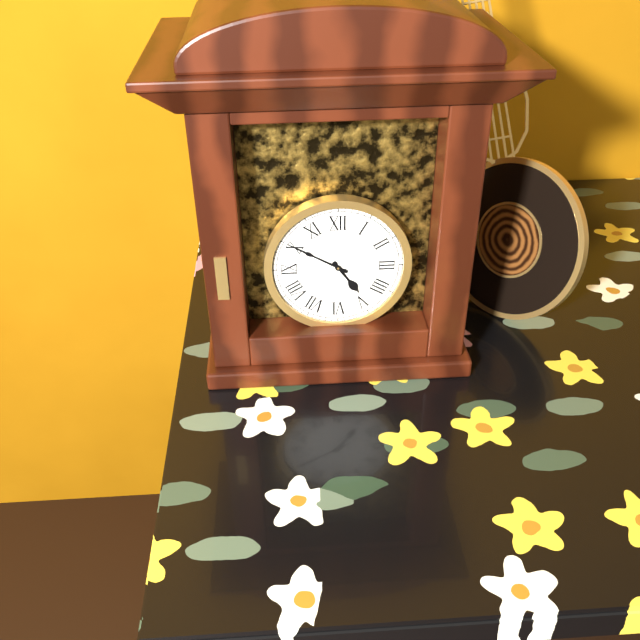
**4:50**
